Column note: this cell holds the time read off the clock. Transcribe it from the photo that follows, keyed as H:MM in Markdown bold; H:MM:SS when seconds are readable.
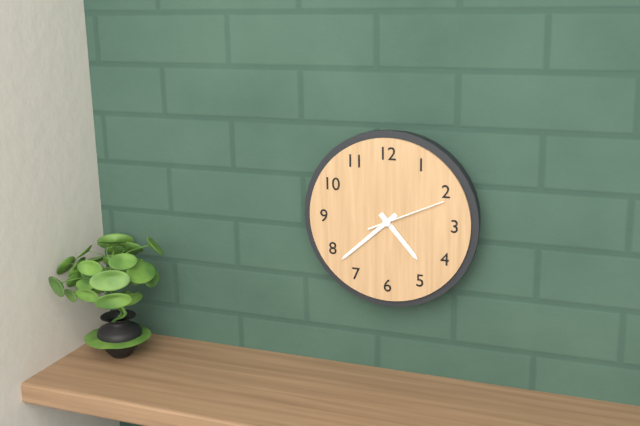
**4:38:11**
